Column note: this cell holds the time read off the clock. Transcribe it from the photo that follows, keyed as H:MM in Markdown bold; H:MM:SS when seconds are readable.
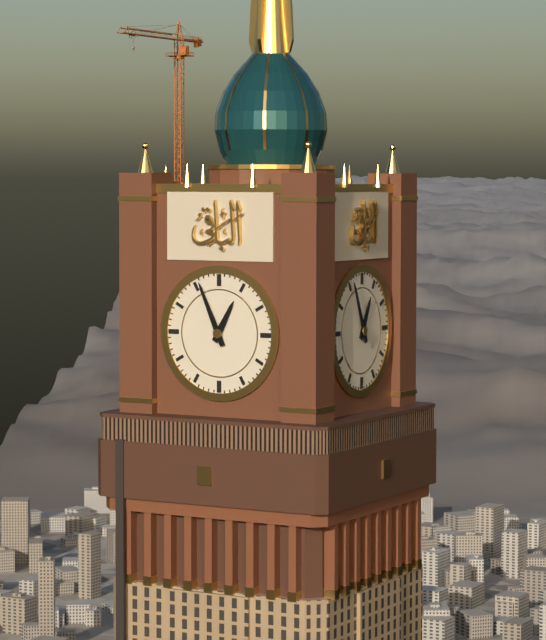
**12:56**
